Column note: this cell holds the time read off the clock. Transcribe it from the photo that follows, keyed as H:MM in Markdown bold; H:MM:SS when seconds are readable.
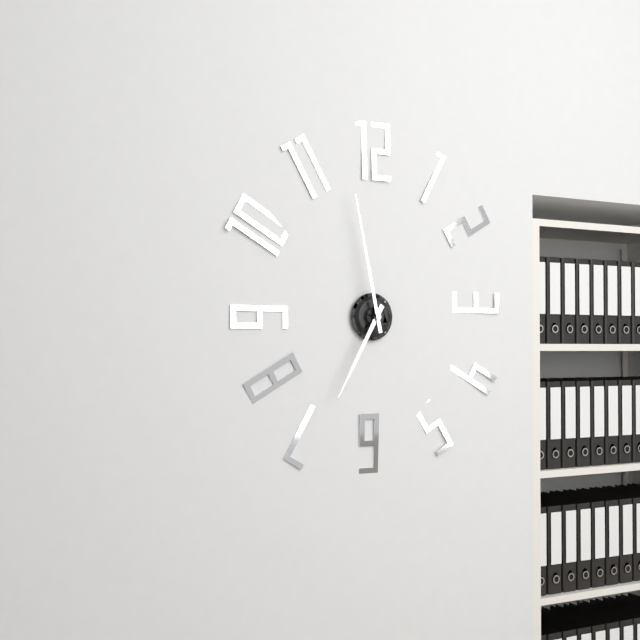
**6:58**
